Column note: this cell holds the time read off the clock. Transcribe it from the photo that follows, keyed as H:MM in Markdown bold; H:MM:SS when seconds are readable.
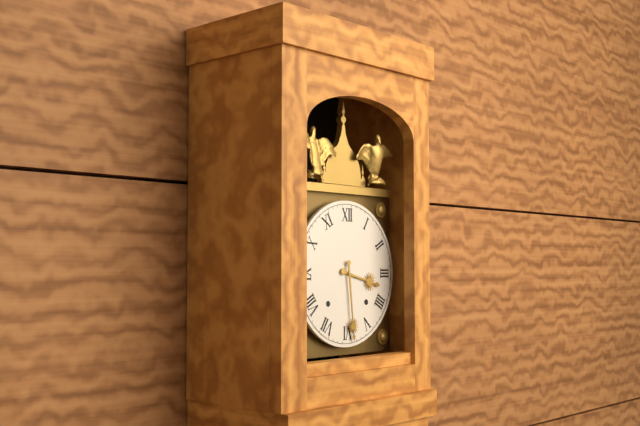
**3:29**
